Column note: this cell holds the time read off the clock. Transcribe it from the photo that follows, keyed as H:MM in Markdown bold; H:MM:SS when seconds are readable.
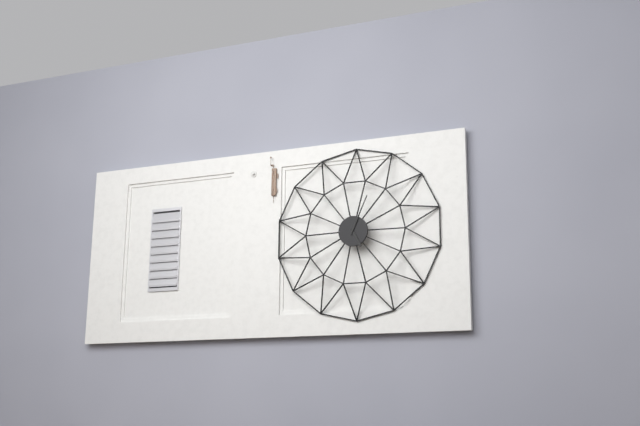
**5:04**
